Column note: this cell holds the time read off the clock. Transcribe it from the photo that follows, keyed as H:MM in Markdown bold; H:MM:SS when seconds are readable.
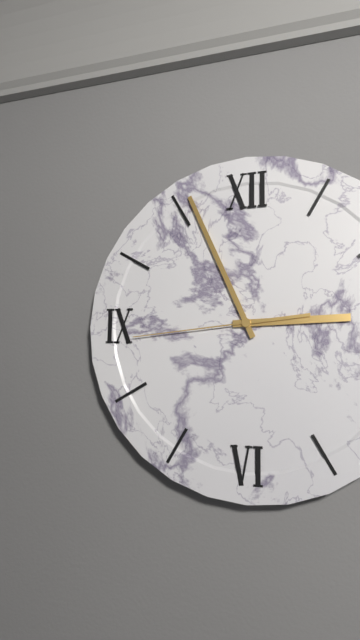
**2:56:44**
